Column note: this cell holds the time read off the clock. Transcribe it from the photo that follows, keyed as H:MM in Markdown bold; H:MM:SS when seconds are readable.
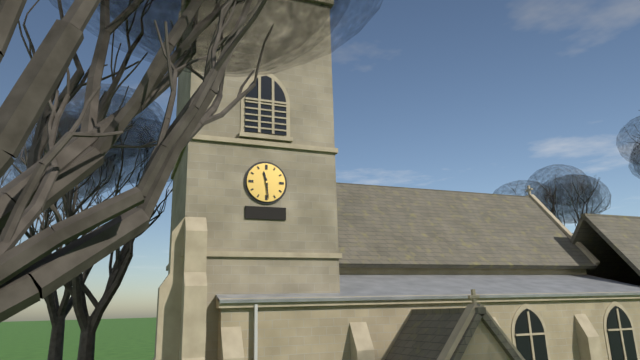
**11:29**
